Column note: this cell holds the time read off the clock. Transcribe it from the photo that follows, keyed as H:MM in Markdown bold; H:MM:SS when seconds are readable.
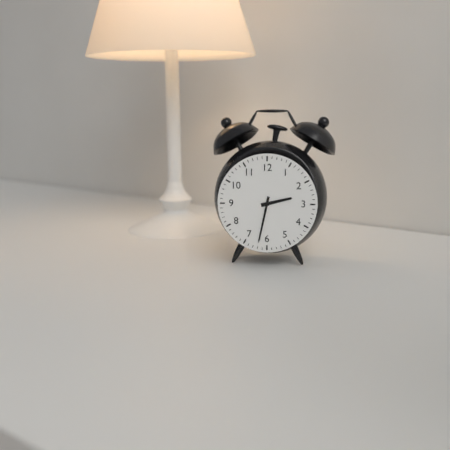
**2:32**
